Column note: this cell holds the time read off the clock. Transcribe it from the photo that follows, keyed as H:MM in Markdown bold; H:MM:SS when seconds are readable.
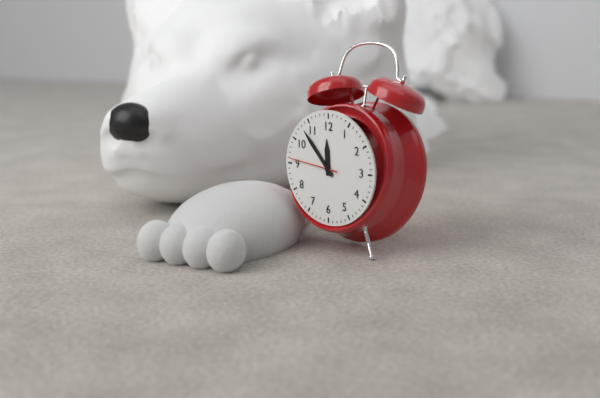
**11:53:46**
